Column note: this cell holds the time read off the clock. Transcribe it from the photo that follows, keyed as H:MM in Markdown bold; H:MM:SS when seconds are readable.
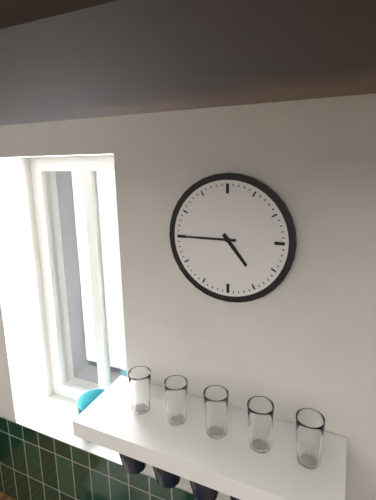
**4:45**
